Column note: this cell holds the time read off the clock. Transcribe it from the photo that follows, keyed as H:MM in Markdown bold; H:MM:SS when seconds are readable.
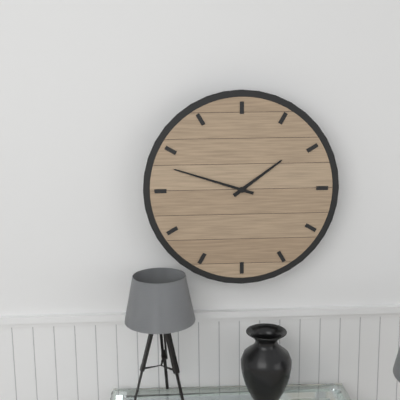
**1:48**
